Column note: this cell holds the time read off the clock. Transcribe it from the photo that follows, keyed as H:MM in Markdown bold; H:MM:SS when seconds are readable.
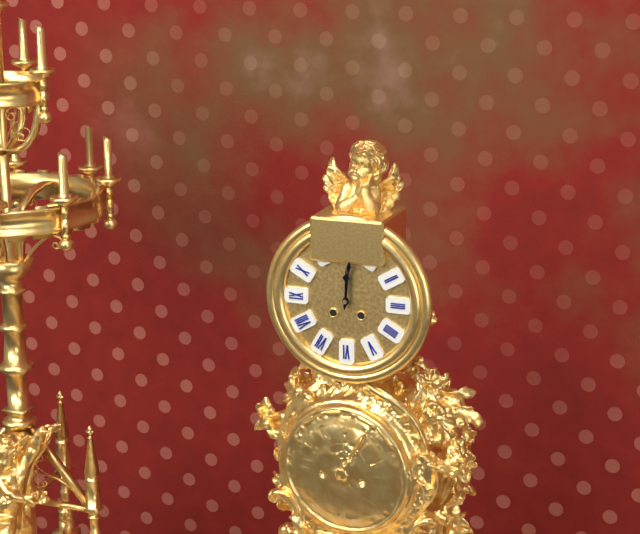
**12:01**
